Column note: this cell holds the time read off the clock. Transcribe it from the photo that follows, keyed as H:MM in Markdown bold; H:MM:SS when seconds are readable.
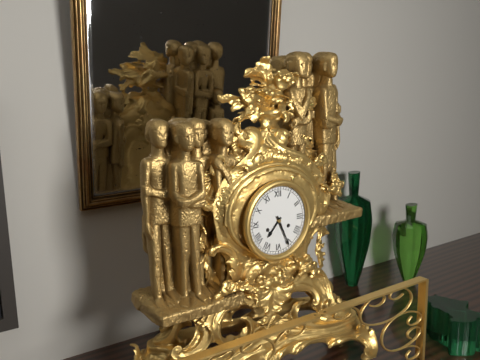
**7:26**
